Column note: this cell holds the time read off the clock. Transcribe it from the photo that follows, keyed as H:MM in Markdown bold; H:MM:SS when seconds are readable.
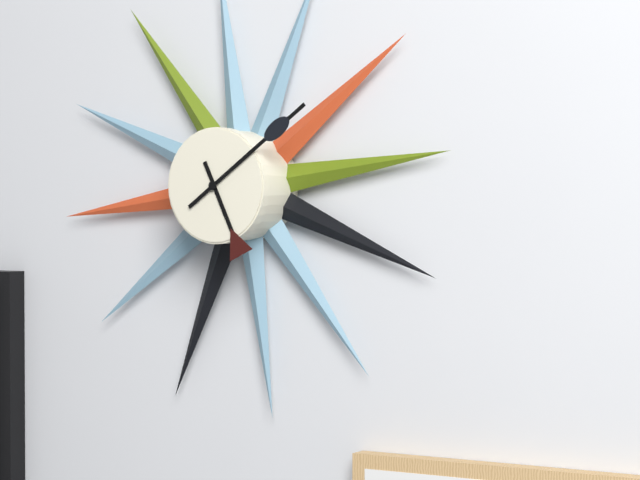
**5:09**
